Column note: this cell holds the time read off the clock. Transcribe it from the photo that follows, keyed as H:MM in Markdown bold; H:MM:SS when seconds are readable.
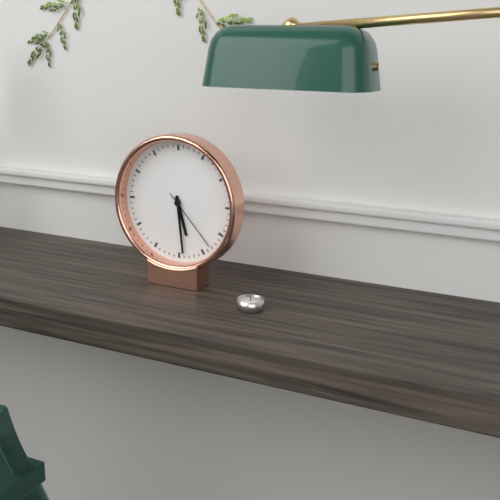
**5:29:23**
